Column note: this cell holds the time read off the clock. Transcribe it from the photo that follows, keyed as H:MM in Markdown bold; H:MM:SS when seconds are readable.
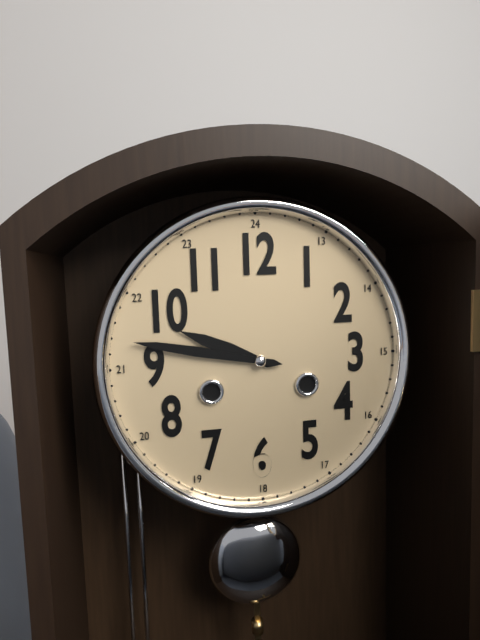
**9:47**
